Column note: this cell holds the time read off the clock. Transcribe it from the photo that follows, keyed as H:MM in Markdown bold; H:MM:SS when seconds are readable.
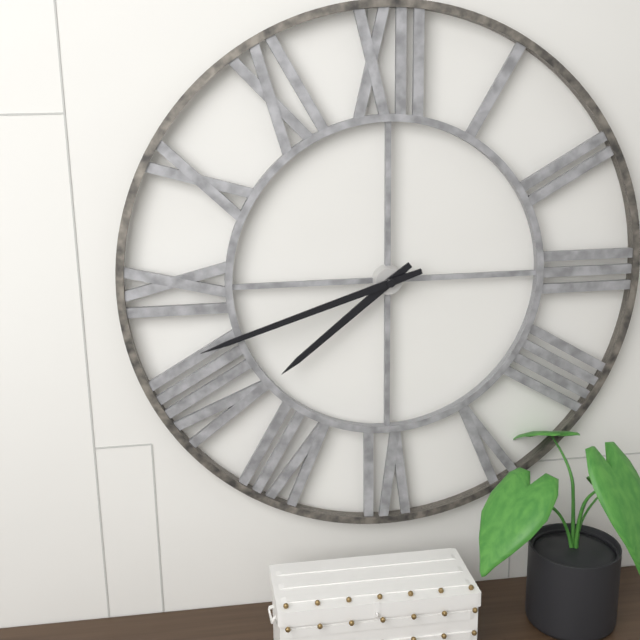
**7:42**
